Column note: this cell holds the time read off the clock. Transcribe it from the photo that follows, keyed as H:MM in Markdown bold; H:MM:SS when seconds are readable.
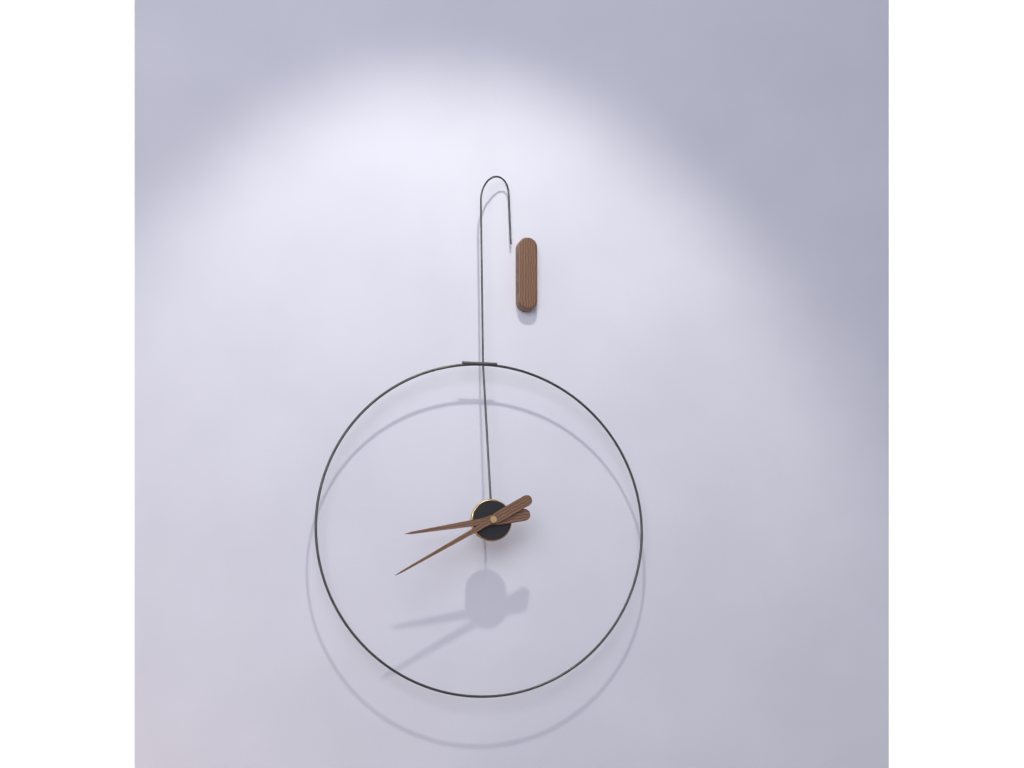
**8:40**
